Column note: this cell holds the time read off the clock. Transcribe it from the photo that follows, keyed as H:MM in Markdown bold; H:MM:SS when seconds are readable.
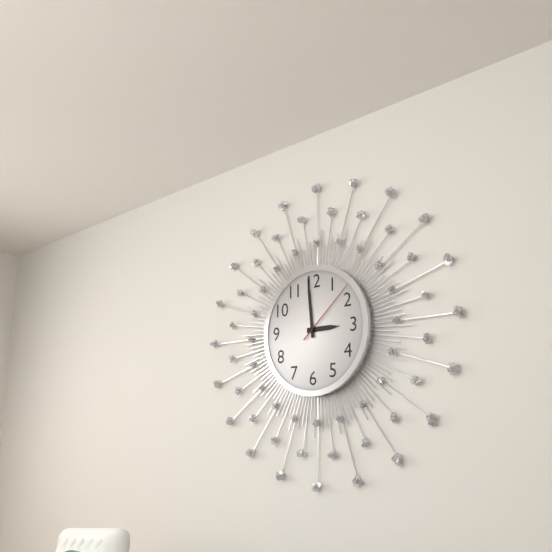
**2:59:08**
